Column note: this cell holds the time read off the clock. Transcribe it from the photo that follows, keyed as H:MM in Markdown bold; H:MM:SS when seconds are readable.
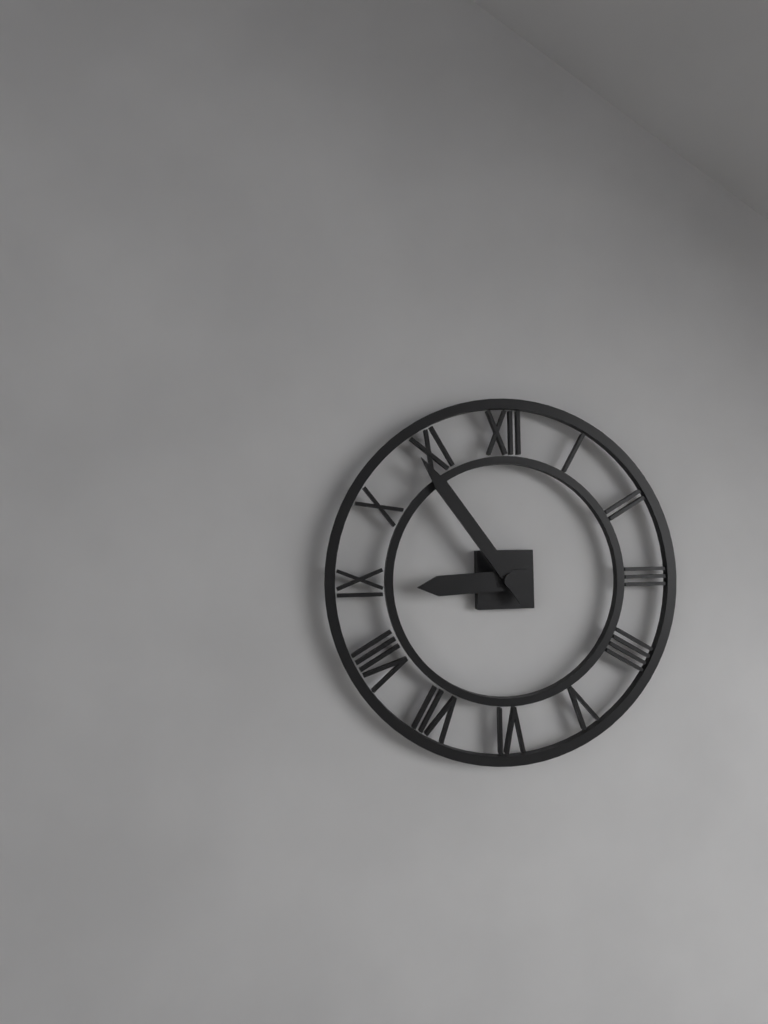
**8:54**
